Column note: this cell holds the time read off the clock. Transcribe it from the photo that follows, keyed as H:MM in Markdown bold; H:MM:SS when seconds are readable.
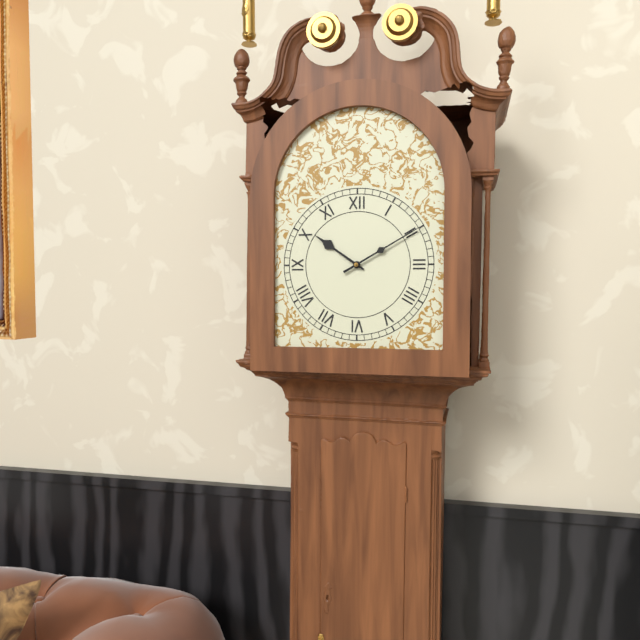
**10:10**
